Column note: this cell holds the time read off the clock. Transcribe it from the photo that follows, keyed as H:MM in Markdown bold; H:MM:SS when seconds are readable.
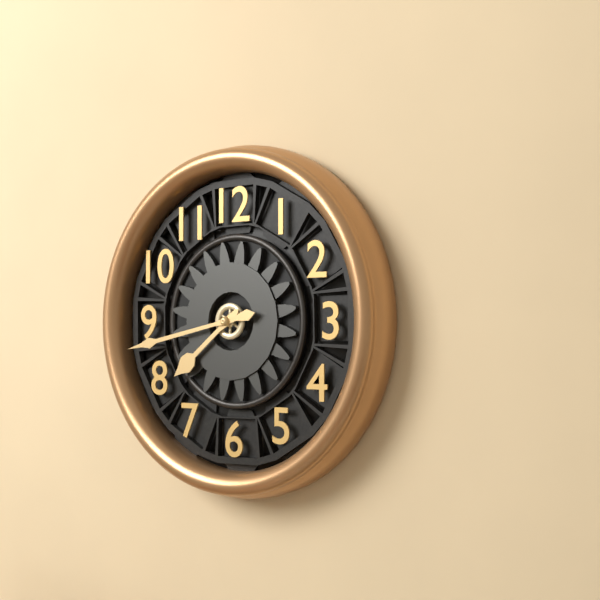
**7:43**
